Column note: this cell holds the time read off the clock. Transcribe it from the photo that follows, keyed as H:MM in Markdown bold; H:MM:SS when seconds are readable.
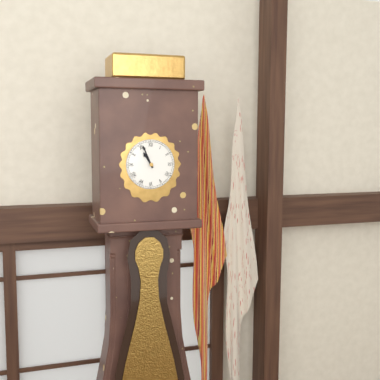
**10:56**
